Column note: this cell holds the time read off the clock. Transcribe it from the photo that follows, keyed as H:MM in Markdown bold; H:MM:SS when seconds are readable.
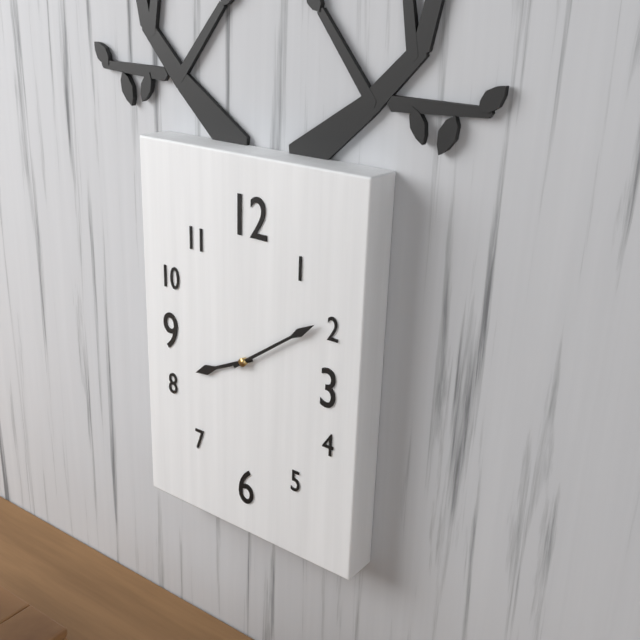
**8:09**
